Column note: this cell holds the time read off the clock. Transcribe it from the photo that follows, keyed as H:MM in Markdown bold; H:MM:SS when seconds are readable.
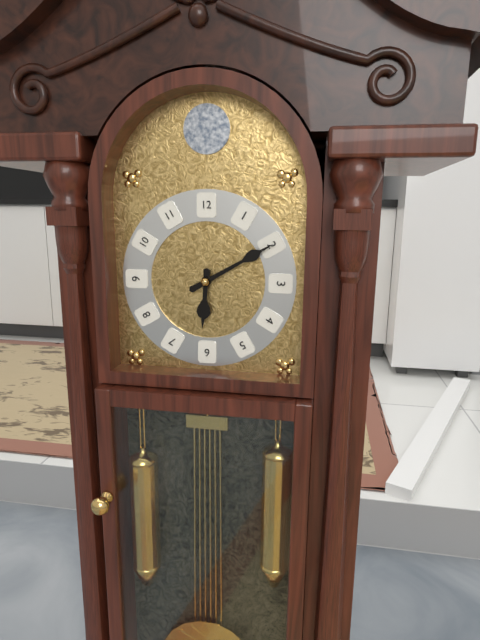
**6:10**
